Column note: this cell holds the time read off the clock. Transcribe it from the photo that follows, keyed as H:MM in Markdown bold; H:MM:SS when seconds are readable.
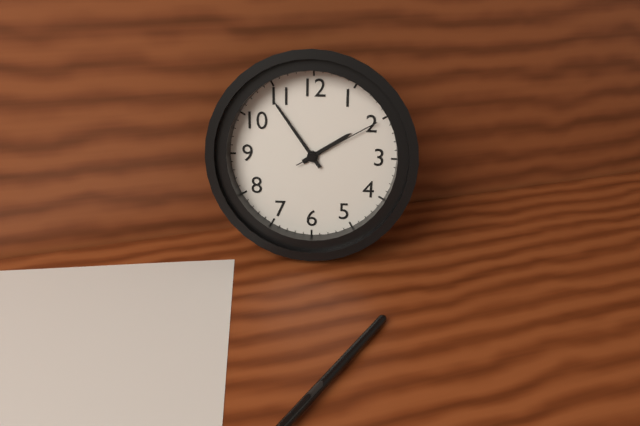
**1:54:10**
